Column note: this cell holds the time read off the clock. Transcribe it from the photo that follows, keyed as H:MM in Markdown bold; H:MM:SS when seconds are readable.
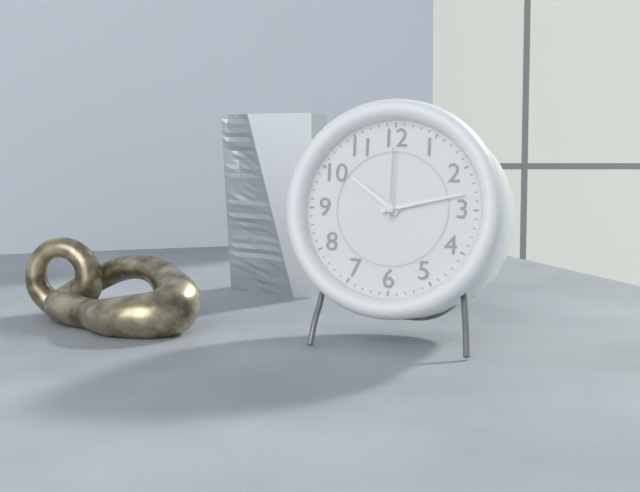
**10:13:00**
